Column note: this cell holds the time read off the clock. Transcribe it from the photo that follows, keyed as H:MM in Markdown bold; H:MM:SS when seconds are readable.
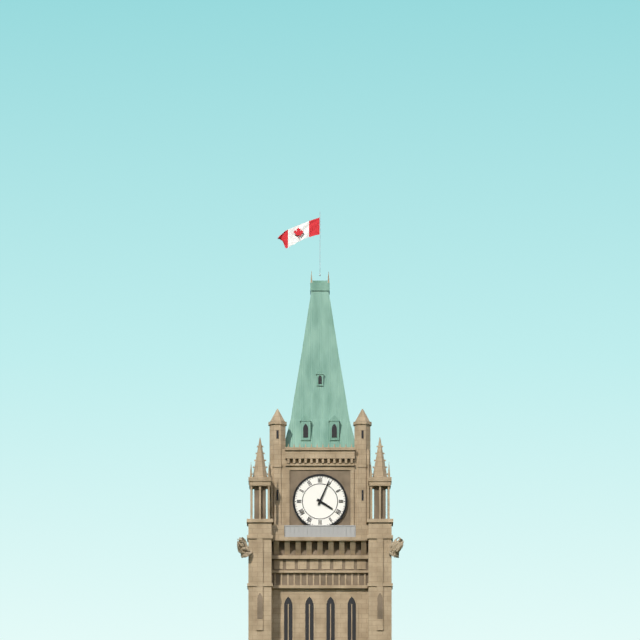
**4:04**
